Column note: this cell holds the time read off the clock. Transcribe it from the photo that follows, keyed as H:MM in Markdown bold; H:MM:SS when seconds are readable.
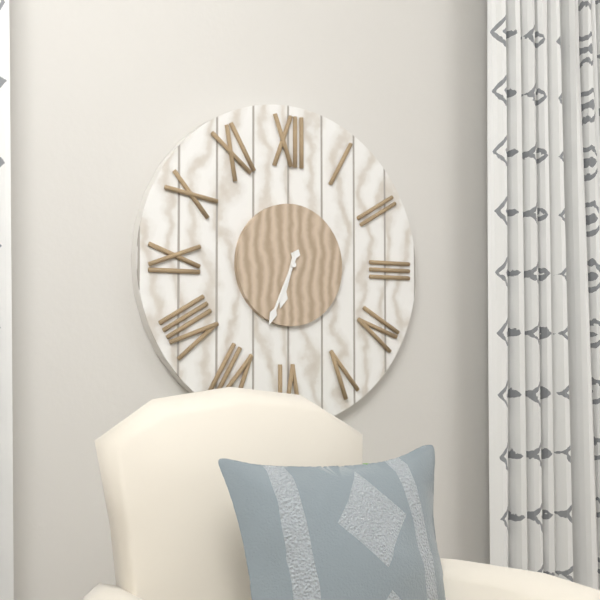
**6:34**
